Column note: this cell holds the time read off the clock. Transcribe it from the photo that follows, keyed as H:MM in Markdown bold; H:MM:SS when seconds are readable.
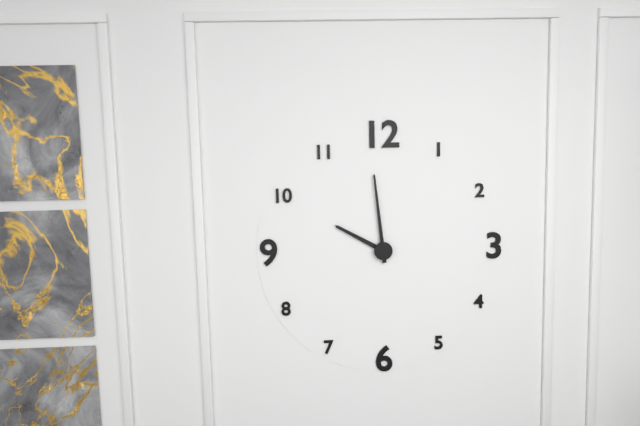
**9:59**
